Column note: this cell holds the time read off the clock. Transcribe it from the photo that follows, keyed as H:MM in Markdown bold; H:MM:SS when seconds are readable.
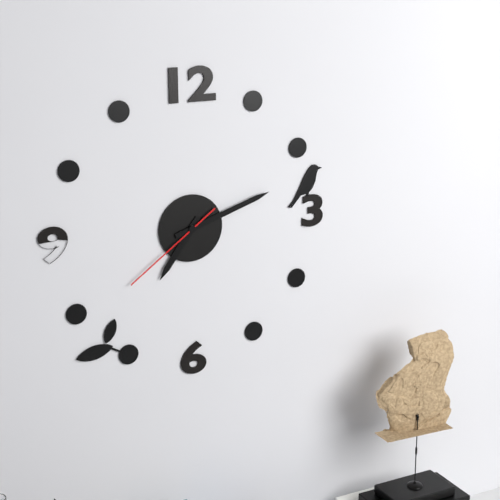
**7:12:39**
